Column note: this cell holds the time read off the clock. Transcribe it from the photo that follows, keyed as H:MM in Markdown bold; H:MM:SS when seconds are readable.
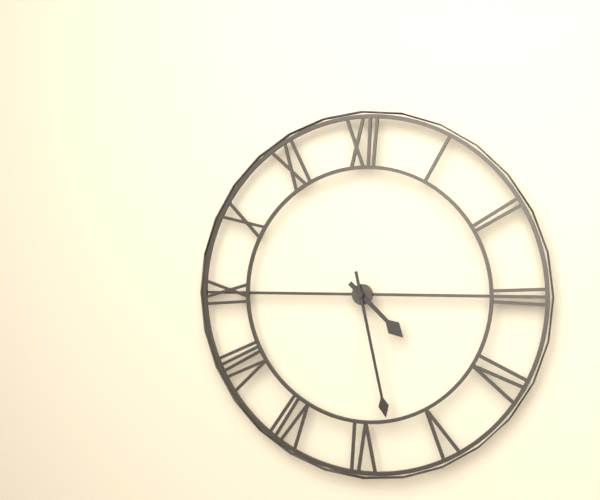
**4:28**
